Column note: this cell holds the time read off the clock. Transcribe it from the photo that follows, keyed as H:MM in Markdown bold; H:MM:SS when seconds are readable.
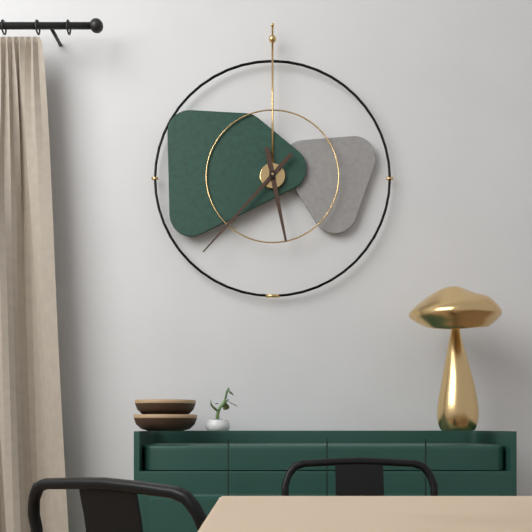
**5:37**
